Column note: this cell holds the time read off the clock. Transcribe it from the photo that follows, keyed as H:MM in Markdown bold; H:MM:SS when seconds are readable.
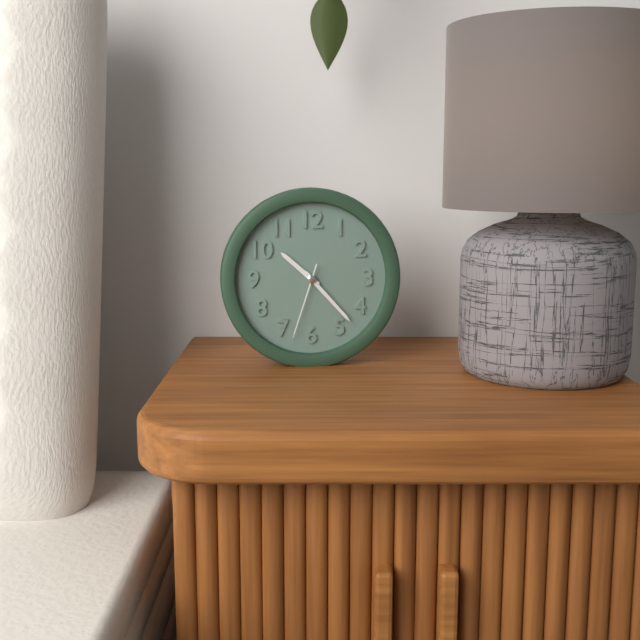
**10:23:33**
